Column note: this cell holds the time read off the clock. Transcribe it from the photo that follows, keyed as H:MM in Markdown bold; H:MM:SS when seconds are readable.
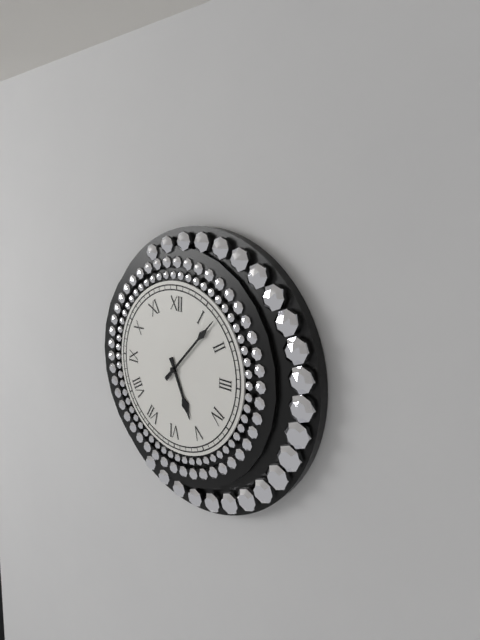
**5:07**
